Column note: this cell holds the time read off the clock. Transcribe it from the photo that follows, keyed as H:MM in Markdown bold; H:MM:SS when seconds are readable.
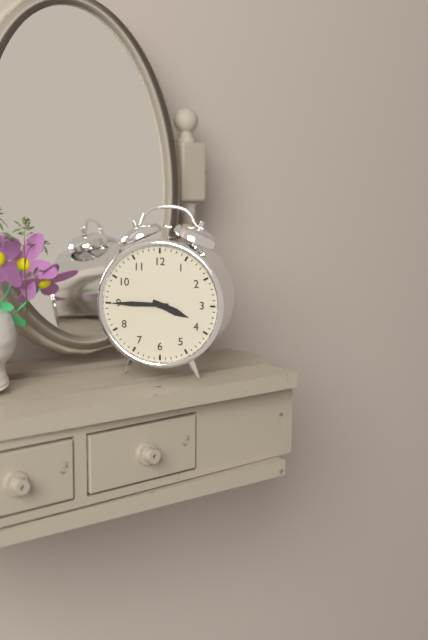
**3:45**
